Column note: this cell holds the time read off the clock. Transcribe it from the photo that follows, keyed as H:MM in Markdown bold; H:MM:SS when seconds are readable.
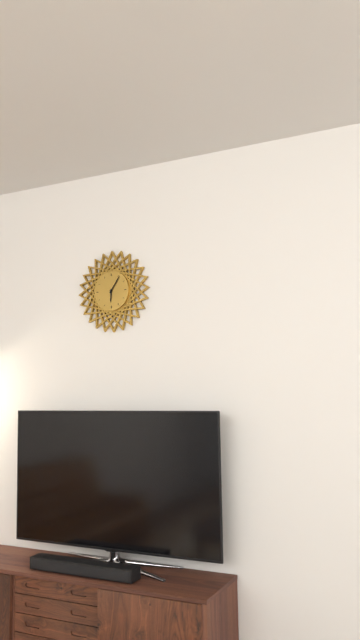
**6:06**
